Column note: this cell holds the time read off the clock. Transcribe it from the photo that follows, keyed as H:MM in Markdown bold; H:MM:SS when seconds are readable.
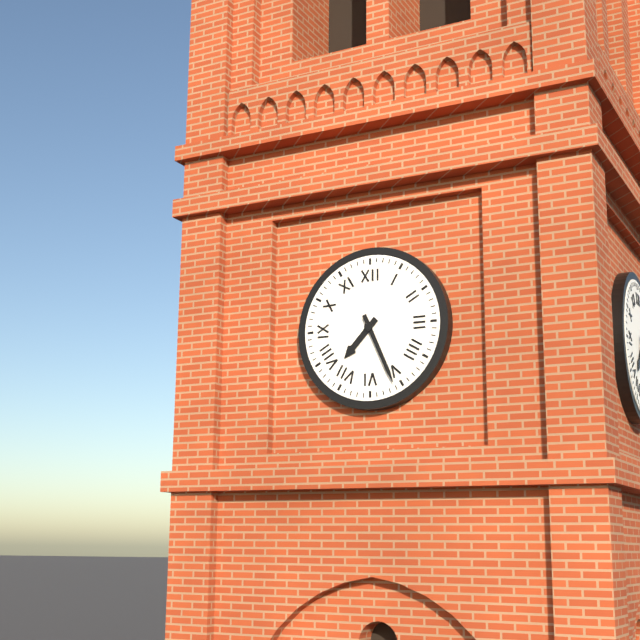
**7:26**
